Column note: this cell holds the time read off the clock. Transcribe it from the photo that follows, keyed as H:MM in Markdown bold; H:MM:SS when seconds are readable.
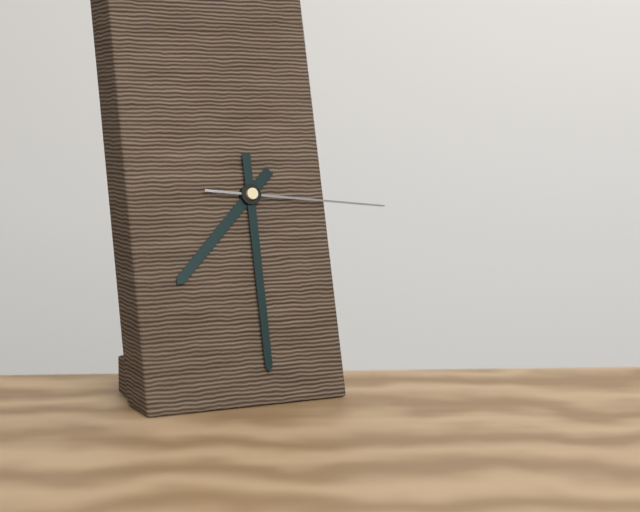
**7:30:16**
